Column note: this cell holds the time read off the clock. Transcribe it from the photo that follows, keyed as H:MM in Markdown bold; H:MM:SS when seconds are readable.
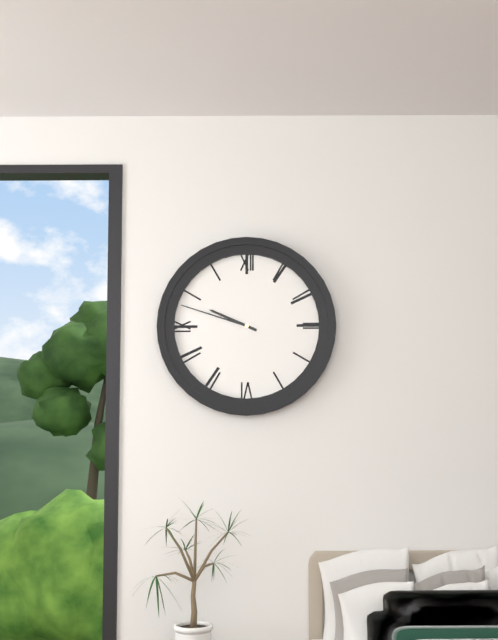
**9:48**
